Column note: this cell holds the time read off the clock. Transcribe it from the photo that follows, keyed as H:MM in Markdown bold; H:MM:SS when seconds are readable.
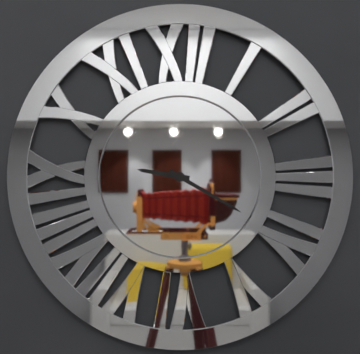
**9:20**
